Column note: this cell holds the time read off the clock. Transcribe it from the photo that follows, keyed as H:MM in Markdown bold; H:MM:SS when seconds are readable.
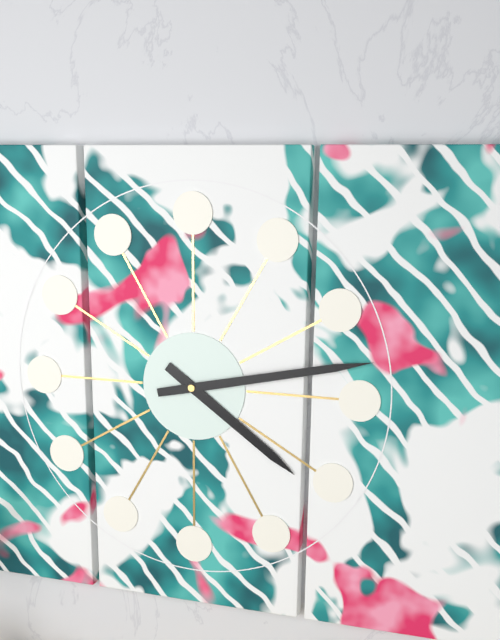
**4:13**
